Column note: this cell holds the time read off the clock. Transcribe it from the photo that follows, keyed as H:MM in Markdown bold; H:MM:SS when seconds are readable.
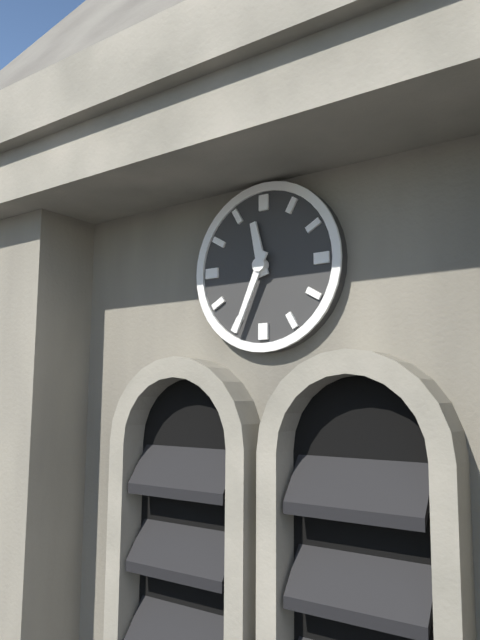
**11:34**
